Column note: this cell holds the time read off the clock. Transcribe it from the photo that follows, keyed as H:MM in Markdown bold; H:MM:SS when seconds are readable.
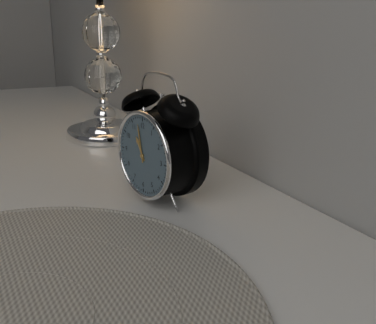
**10:58**
